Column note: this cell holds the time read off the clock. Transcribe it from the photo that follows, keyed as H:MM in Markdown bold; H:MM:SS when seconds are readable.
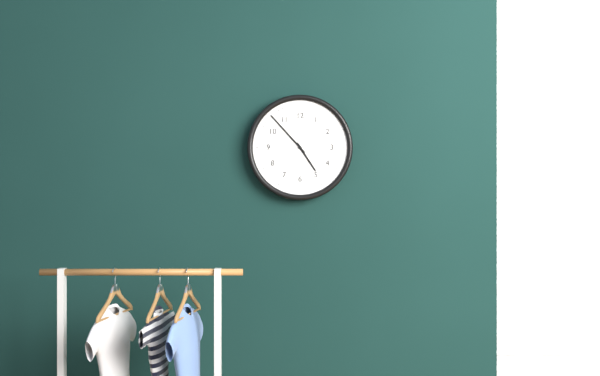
**4:53**
